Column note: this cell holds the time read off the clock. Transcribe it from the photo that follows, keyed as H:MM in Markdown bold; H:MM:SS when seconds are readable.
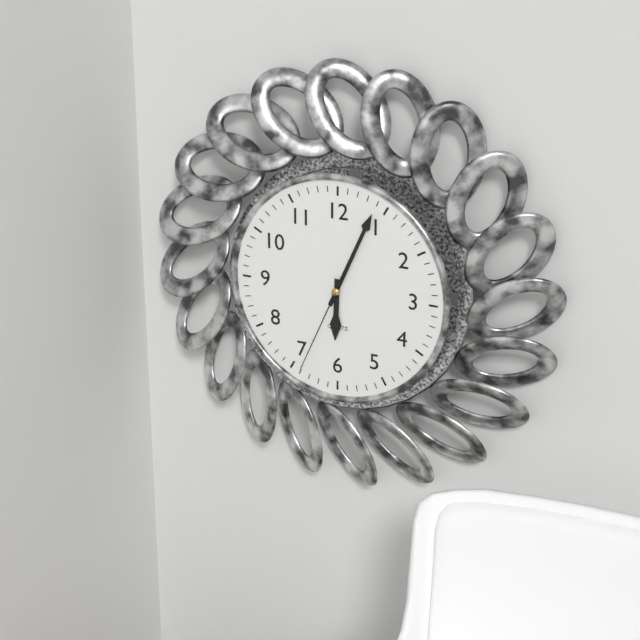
**6:04:34**
